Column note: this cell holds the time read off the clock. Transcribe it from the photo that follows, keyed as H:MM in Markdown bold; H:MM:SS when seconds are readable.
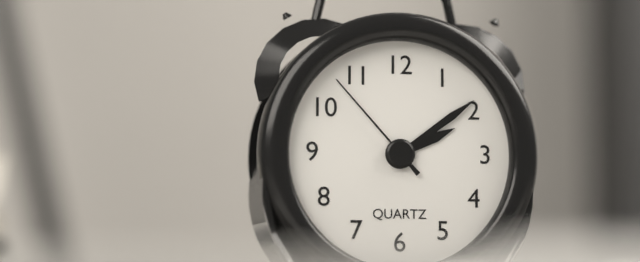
**2:09:53**
